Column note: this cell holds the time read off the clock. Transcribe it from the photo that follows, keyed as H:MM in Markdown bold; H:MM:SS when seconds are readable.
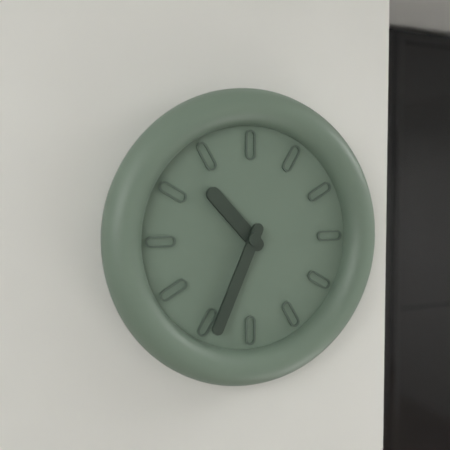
**10:34**
